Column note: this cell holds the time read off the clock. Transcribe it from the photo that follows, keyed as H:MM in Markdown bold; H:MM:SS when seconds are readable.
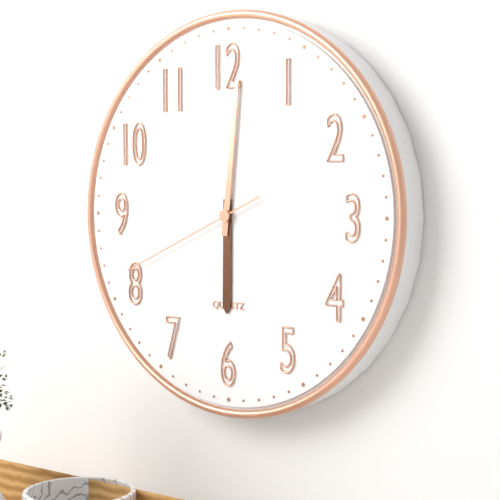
**6:01:41**
